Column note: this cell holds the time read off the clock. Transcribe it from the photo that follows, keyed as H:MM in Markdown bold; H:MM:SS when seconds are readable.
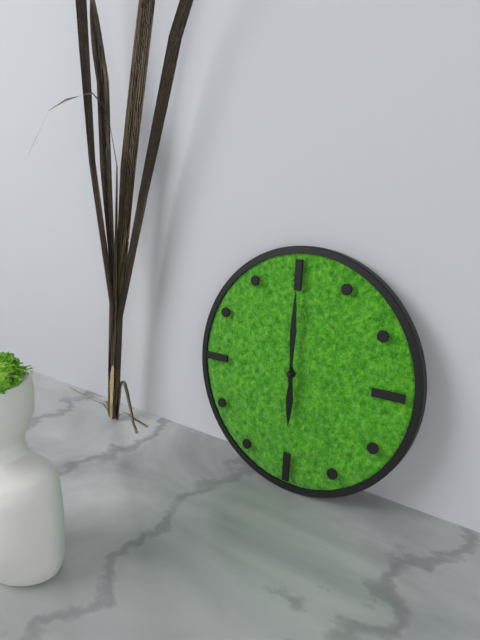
**6:00**
